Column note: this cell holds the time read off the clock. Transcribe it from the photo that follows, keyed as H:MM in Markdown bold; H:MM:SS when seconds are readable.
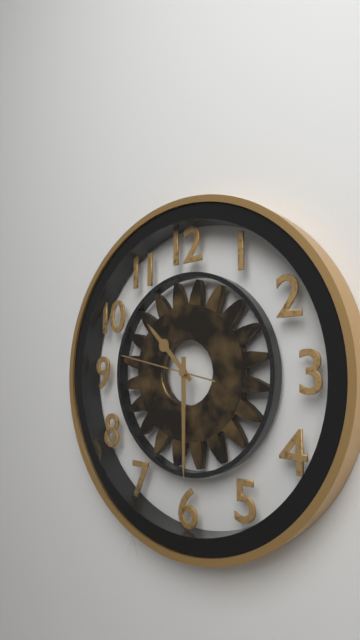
**10:30:47**
